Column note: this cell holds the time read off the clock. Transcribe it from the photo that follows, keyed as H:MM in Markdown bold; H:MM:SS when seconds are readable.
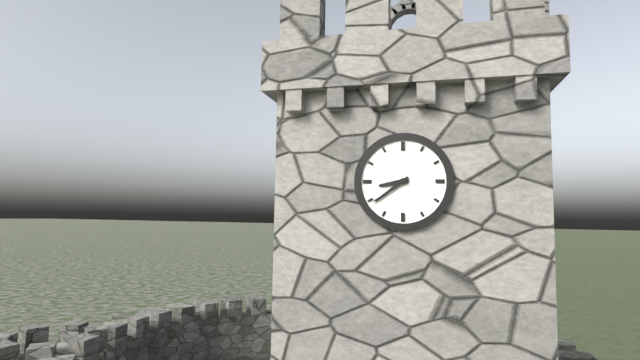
**8:39**
